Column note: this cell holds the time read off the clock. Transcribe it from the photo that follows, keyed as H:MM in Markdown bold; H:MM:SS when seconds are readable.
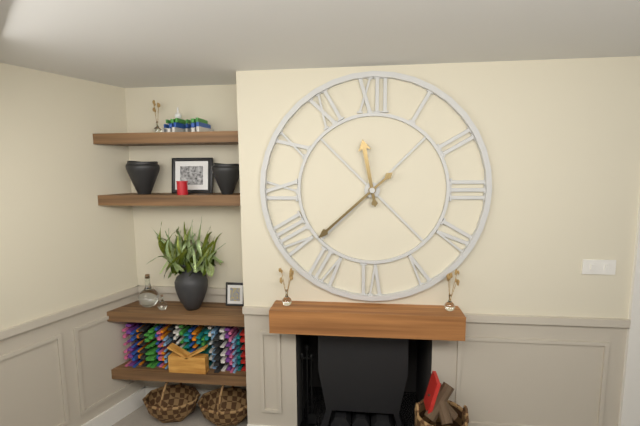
**11:38**
